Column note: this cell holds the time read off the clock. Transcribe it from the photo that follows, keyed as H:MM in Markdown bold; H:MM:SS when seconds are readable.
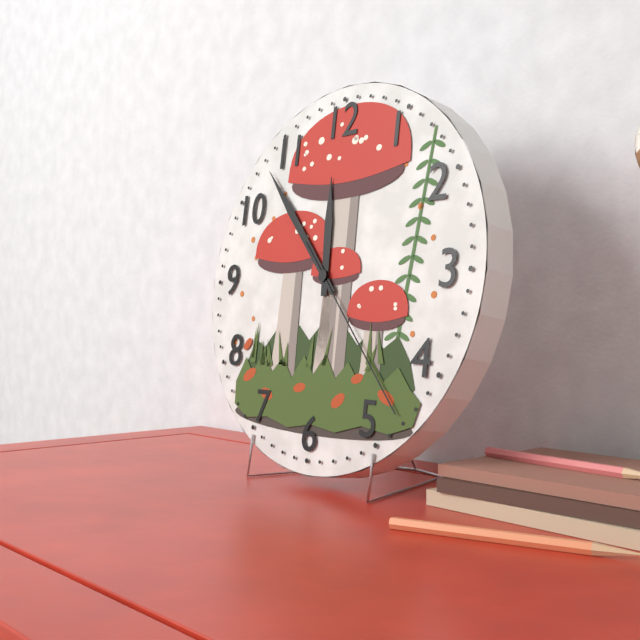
**11:53:23**
